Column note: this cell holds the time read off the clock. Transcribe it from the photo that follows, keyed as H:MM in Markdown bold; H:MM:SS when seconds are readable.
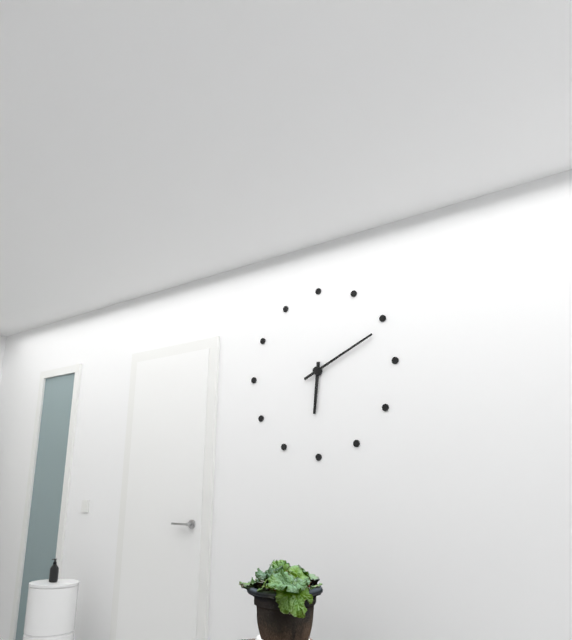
**6:11**
